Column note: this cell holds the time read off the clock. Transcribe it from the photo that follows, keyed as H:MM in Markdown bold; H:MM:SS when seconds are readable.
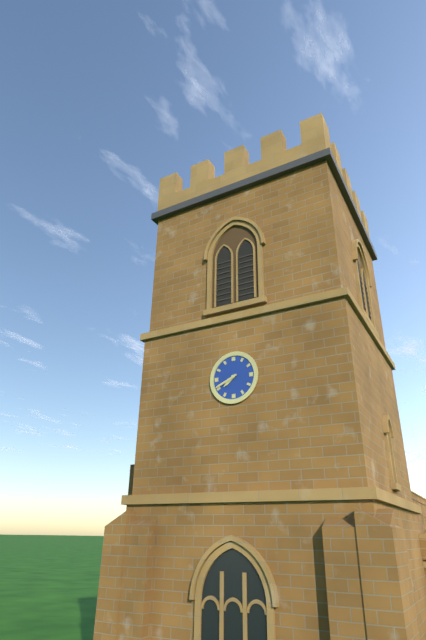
**7:41**
